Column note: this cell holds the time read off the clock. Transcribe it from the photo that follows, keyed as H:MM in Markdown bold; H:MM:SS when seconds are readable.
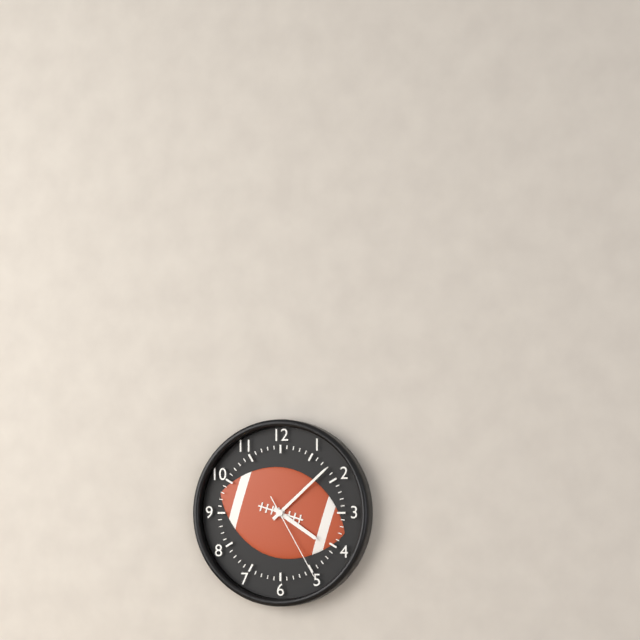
**4:08:25**
